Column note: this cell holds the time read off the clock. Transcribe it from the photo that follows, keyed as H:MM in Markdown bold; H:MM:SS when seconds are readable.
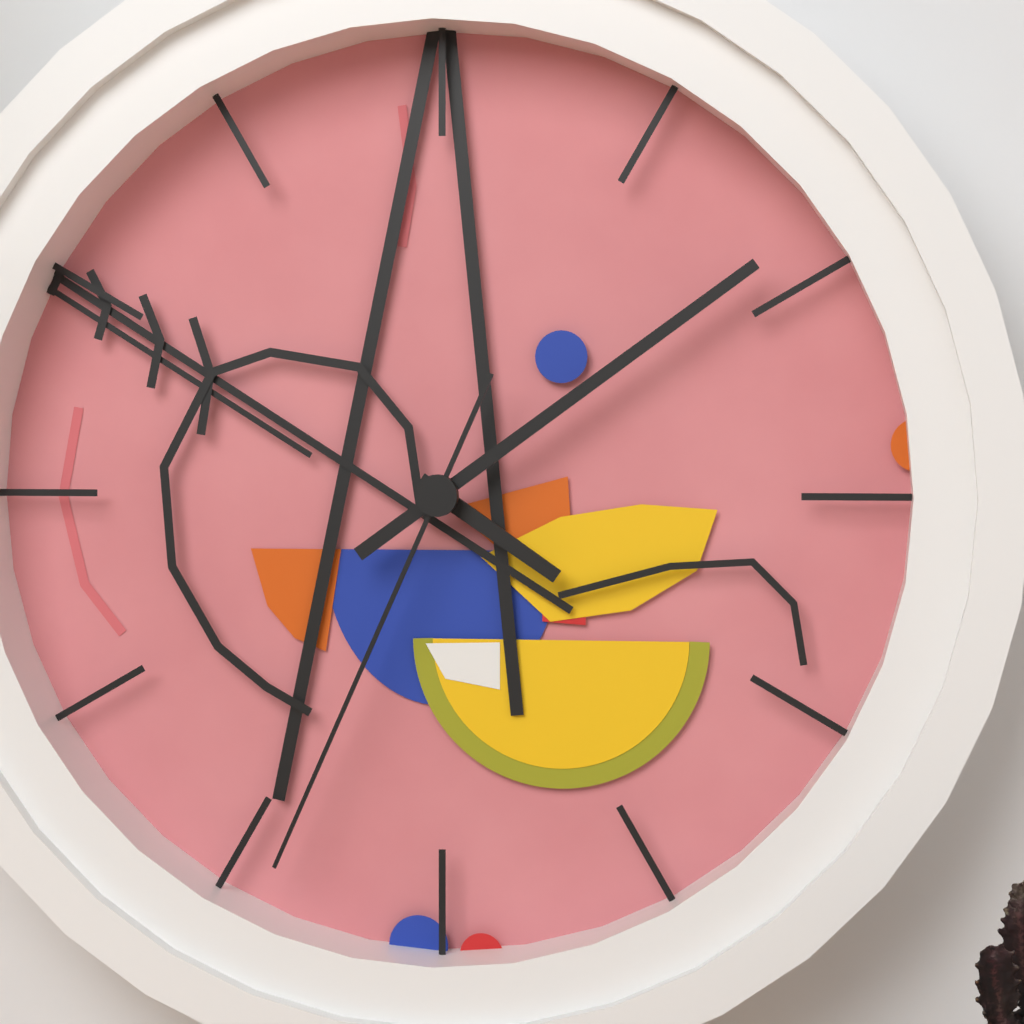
**4:09:34**
